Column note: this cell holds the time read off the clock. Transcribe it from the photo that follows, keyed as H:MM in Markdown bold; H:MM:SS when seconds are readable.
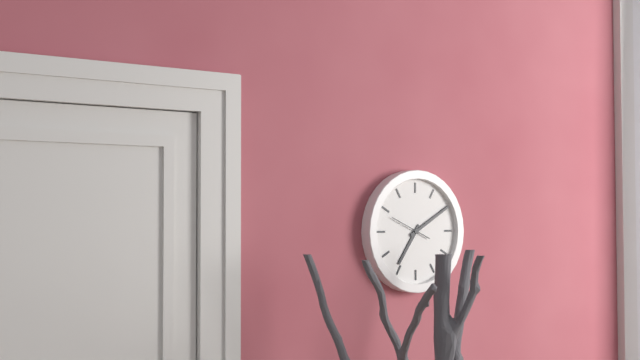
**7:10**
